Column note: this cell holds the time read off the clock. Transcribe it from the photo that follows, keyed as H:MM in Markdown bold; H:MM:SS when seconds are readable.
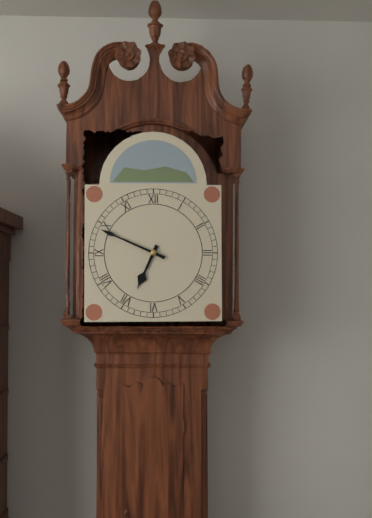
**6:49**
